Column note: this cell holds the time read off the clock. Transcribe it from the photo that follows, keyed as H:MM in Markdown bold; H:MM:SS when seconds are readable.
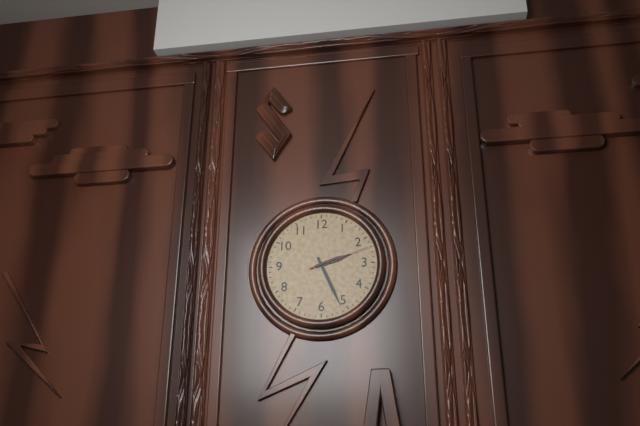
**2:26:12**
